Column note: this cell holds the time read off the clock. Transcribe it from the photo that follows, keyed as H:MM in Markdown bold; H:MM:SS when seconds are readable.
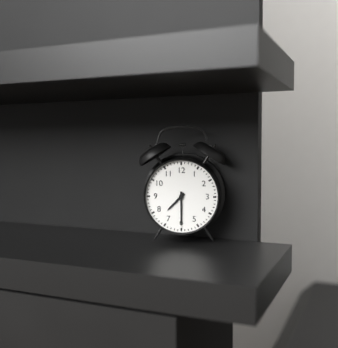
**7:30**
